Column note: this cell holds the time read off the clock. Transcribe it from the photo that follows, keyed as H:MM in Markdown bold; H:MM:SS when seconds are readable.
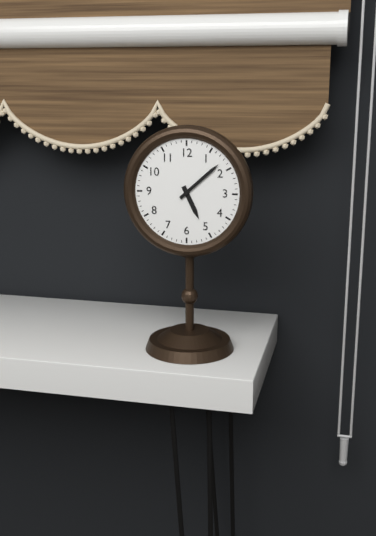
**5:08**
